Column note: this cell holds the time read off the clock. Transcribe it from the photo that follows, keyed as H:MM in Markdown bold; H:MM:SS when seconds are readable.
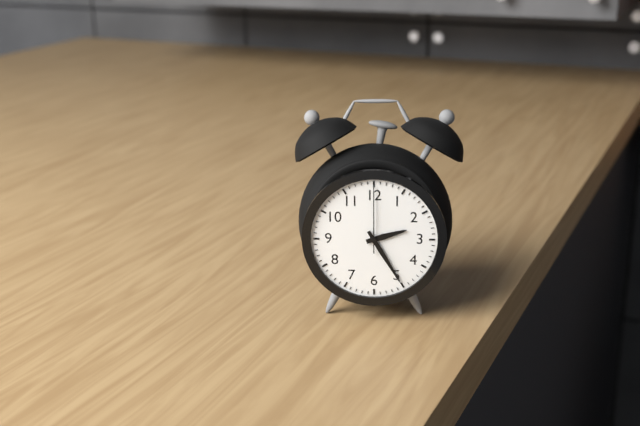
**2:25:00**
